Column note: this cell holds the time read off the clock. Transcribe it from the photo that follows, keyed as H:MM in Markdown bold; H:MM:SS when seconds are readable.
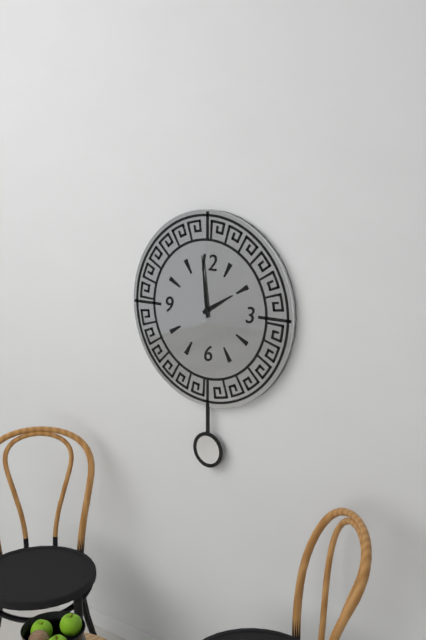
**1:59**
